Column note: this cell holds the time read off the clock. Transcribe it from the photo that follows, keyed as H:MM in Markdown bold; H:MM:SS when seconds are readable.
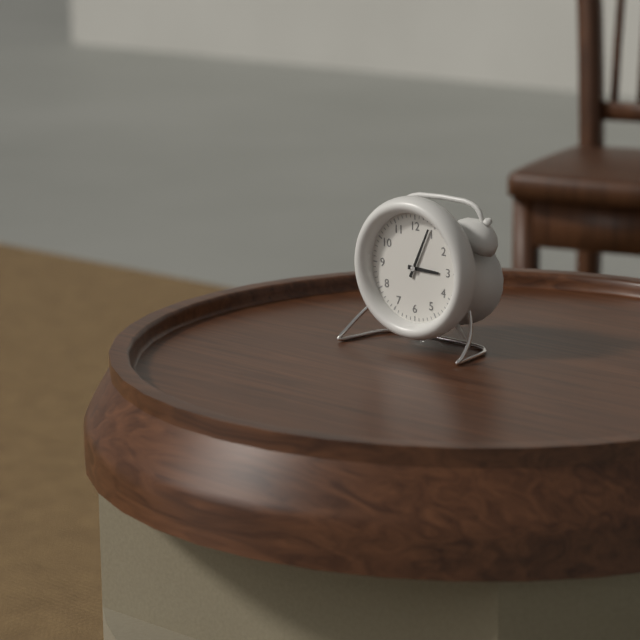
**3:04**
